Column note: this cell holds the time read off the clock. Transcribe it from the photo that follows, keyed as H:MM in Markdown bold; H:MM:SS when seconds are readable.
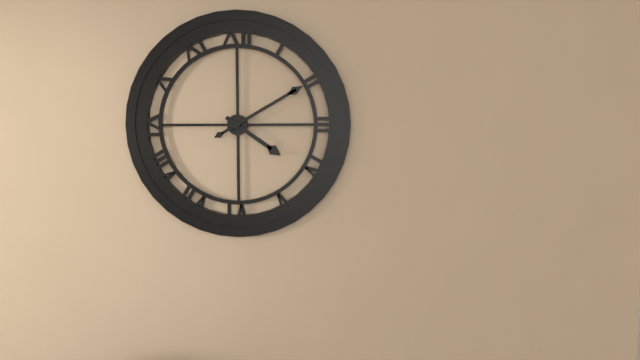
**4:10**
